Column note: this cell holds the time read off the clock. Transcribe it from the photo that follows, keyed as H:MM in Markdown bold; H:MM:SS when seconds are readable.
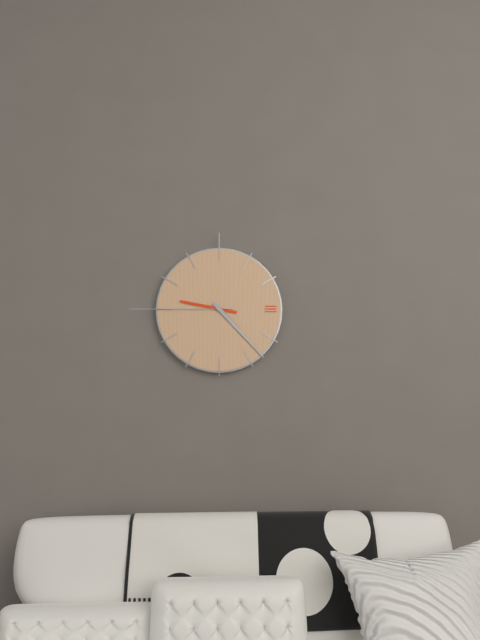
**9:23:45**
